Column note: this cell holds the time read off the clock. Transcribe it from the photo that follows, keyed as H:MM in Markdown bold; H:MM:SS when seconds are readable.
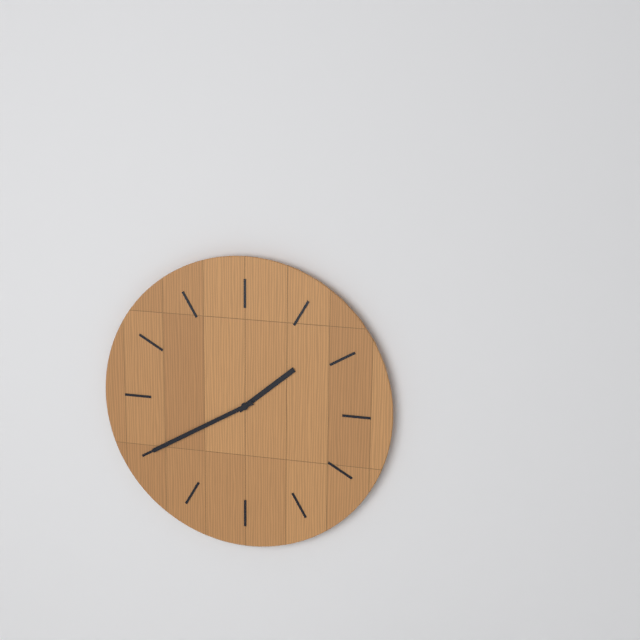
**1:40**
